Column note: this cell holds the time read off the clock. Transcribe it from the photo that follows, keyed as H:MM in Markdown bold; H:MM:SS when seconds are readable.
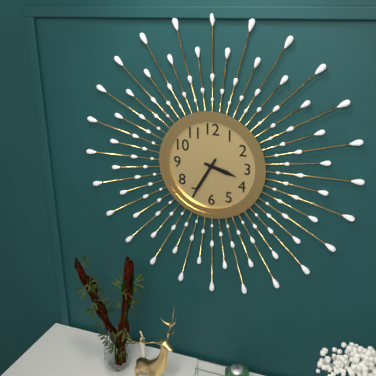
**3:35**
